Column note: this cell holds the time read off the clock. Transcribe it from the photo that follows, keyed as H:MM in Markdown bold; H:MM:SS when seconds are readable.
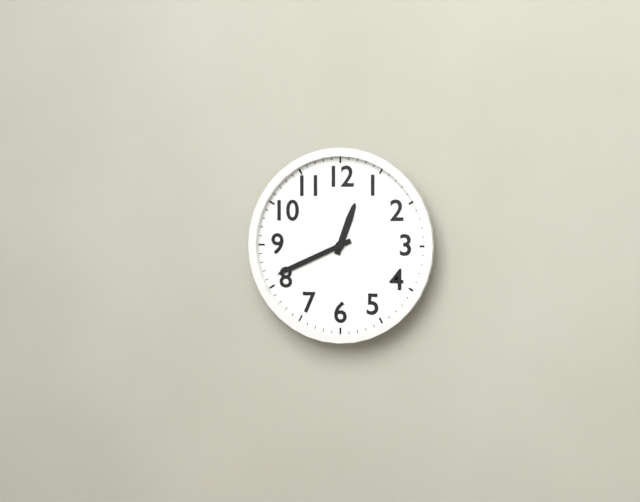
**12:41**
